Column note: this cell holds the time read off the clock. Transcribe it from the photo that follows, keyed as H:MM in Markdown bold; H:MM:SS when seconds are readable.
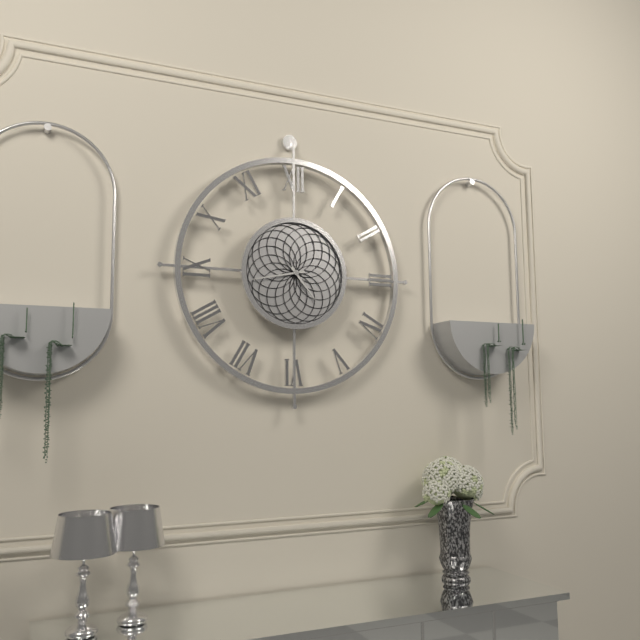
**4:43**
